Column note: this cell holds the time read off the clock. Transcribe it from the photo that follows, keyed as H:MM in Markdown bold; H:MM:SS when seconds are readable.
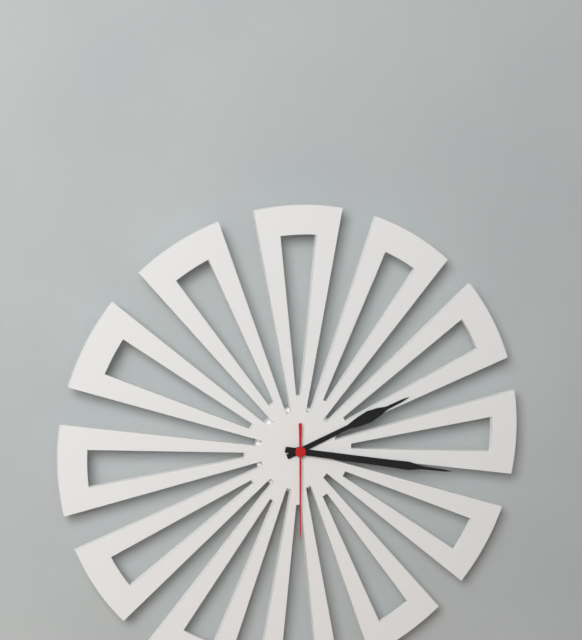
**2:17:30**
